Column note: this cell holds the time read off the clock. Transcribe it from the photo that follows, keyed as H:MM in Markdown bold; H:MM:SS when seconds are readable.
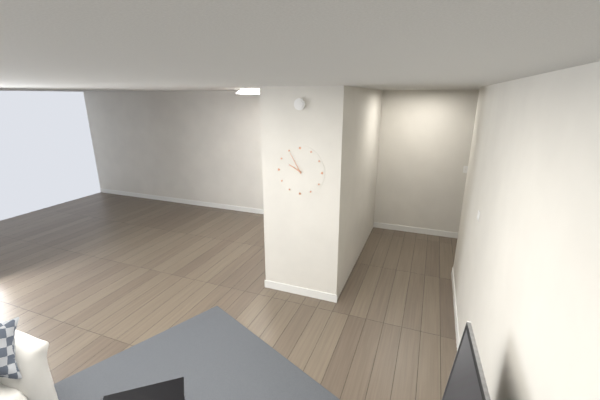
**9:55**
